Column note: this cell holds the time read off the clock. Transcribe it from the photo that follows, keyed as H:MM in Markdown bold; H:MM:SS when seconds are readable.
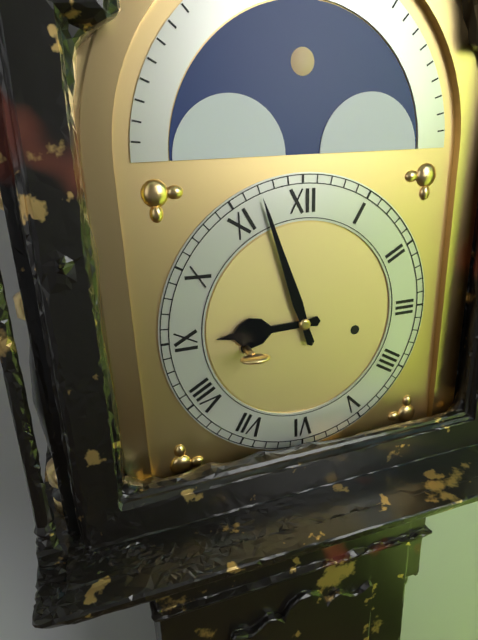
**8:57**
